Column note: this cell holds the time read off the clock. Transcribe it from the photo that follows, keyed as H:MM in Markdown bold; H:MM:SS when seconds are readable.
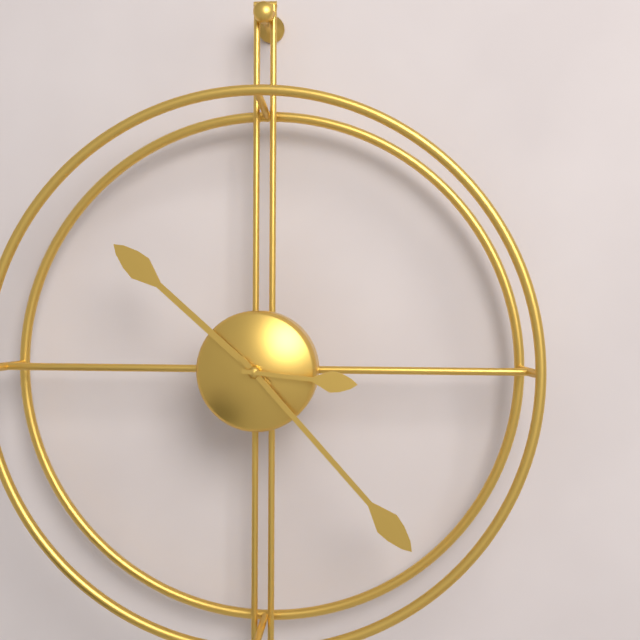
**10:23:16**
